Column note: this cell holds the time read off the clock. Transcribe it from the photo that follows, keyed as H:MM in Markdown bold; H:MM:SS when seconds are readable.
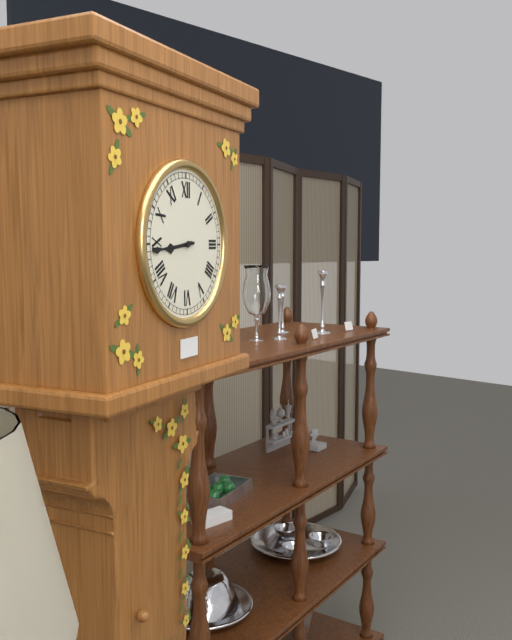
**8:44**
